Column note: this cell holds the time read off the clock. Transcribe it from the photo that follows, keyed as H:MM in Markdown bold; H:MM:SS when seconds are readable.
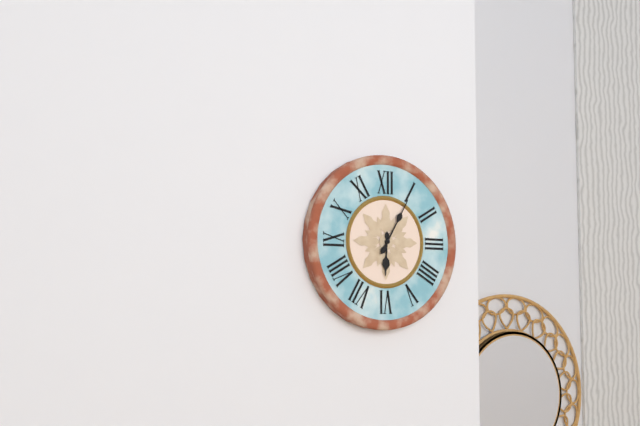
**6:05**
